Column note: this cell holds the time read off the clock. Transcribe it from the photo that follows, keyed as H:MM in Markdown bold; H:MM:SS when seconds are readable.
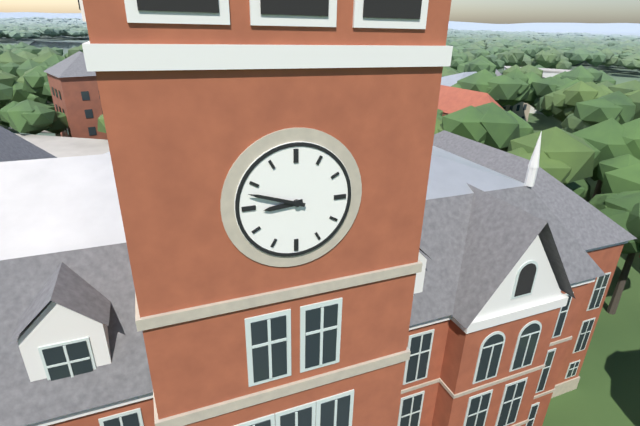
**8:48**
